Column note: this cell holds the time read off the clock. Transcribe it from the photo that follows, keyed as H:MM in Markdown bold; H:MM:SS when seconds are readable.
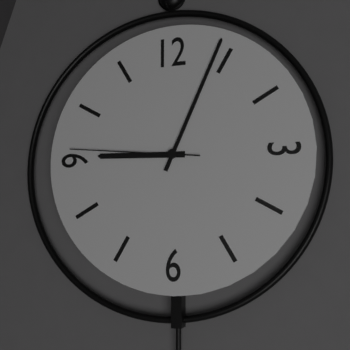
**9:04:46**
